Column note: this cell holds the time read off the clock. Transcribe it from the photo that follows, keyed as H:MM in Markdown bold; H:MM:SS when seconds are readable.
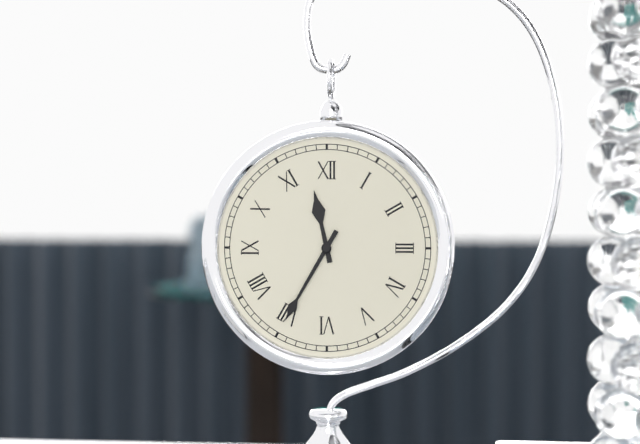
**11:35**
